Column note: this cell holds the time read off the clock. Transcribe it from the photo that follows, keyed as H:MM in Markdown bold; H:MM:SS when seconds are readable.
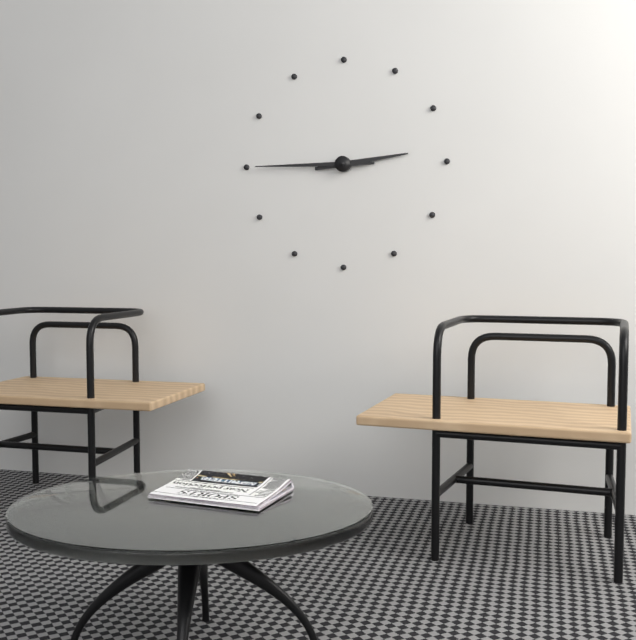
**2:45**
